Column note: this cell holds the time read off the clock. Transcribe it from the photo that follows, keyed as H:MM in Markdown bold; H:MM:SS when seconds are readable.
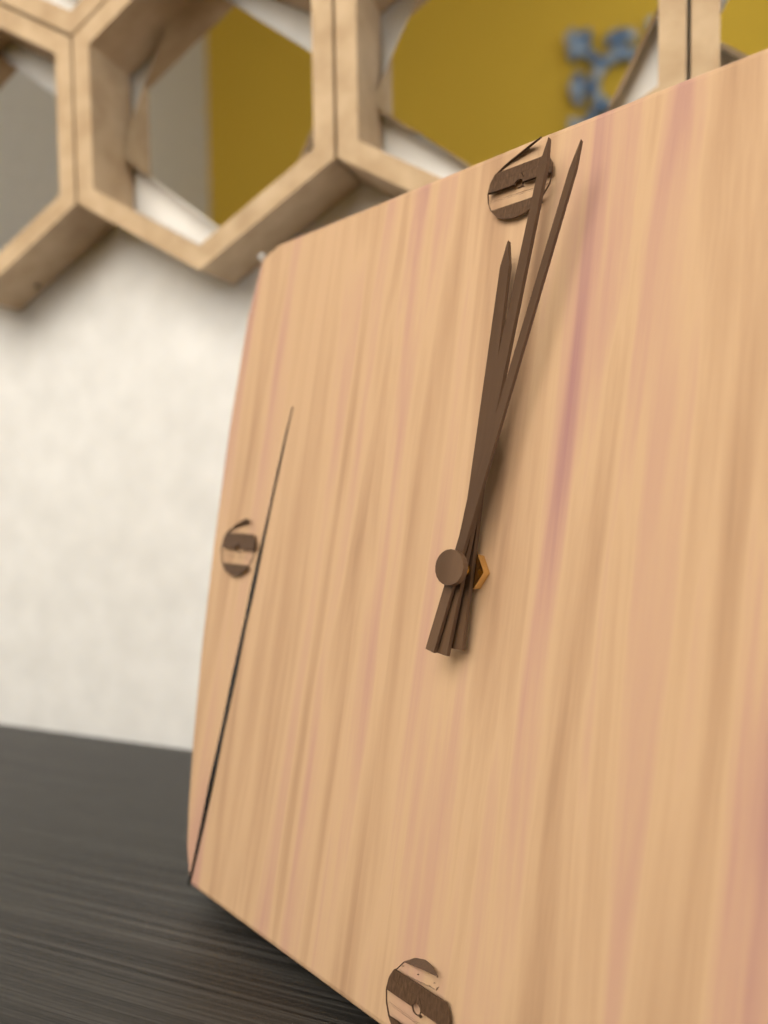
**12:01:02**
